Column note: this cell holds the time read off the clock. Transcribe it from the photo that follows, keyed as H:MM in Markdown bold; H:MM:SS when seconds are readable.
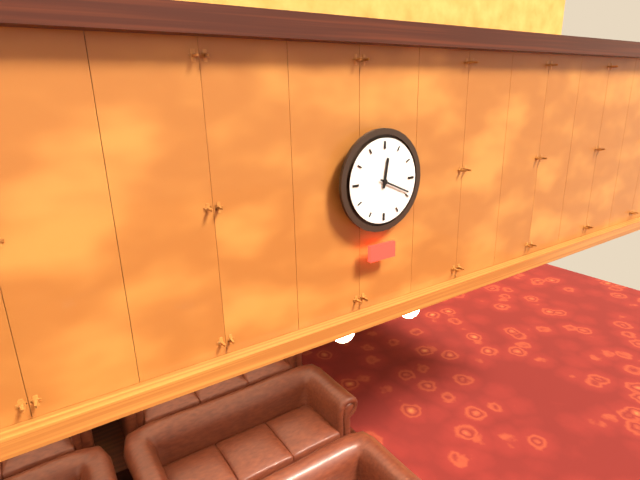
**12:19**
